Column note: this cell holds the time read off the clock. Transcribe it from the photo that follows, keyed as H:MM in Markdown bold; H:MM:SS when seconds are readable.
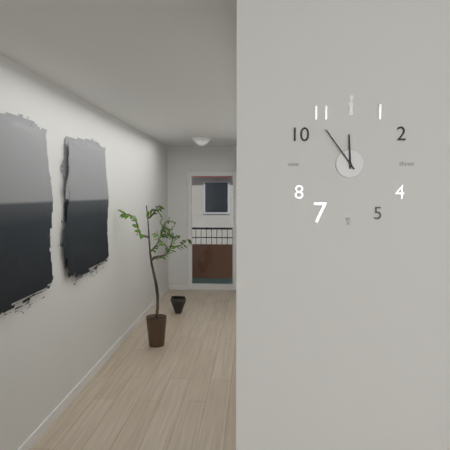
**11:54**
